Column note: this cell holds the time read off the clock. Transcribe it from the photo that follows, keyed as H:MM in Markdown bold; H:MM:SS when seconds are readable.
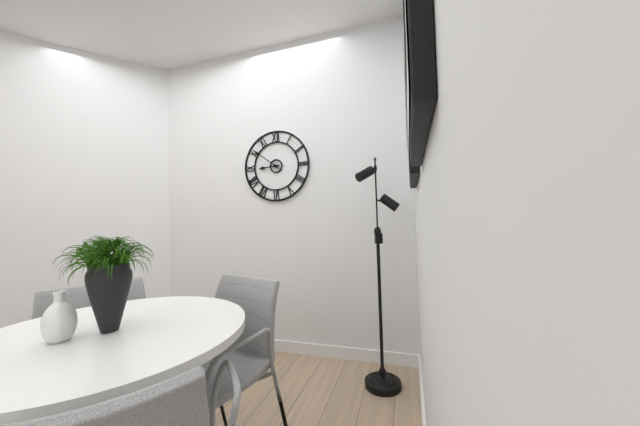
**8:51**
